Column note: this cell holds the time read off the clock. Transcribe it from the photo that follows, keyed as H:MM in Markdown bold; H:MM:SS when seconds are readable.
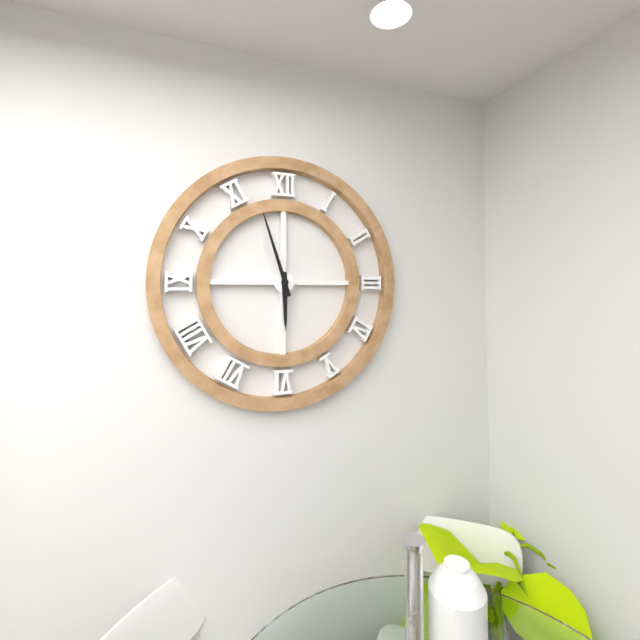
**5:57**
